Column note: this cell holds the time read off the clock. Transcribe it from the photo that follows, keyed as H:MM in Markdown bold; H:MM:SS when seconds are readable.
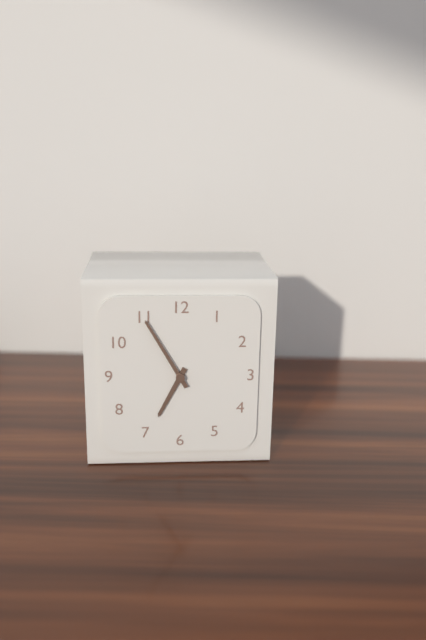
**6:55**
